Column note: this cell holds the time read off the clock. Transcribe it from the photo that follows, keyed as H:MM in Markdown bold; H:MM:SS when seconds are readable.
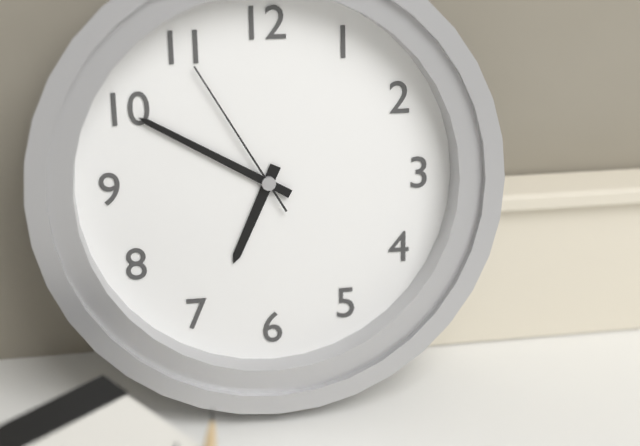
**6:50:55**
